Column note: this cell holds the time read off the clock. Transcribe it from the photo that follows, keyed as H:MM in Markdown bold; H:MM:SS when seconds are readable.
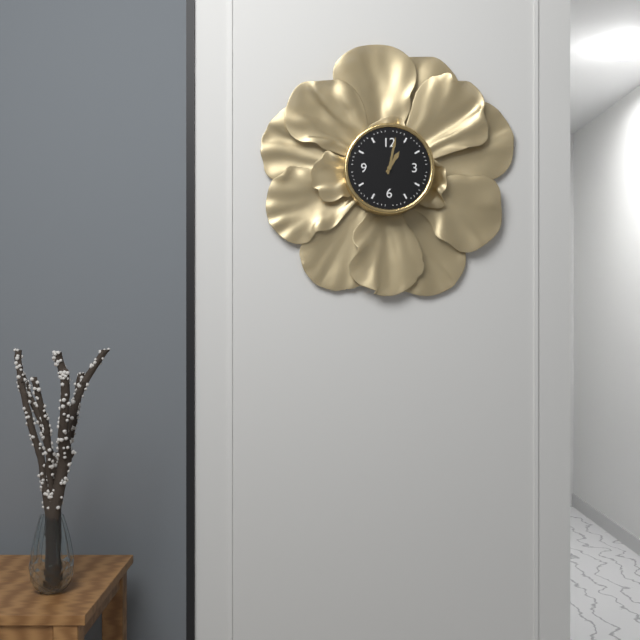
**1:02**
